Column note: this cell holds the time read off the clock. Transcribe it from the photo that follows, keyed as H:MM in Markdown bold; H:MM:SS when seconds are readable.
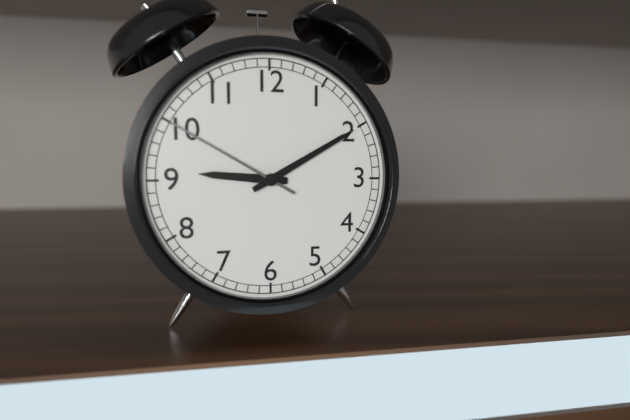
**9:10:50**
